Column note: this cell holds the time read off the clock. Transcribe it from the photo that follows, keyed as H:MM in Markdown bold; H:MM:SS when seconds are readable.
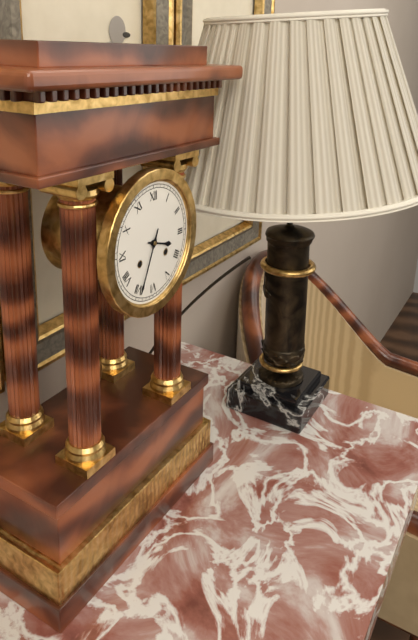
**3:34**
